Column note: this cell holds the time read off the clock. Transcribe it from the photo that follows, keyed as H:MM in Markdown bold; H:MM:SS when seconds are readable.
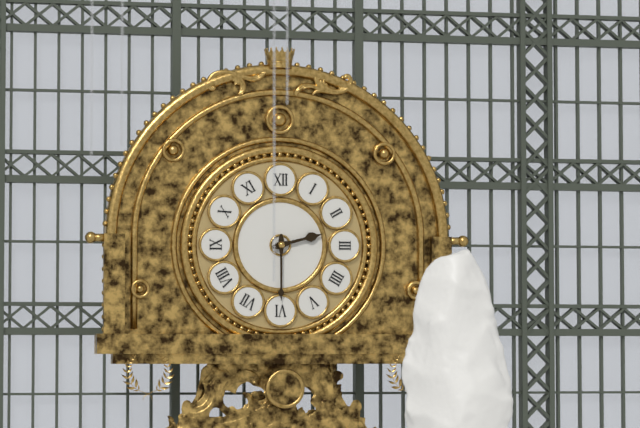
**2:30**
